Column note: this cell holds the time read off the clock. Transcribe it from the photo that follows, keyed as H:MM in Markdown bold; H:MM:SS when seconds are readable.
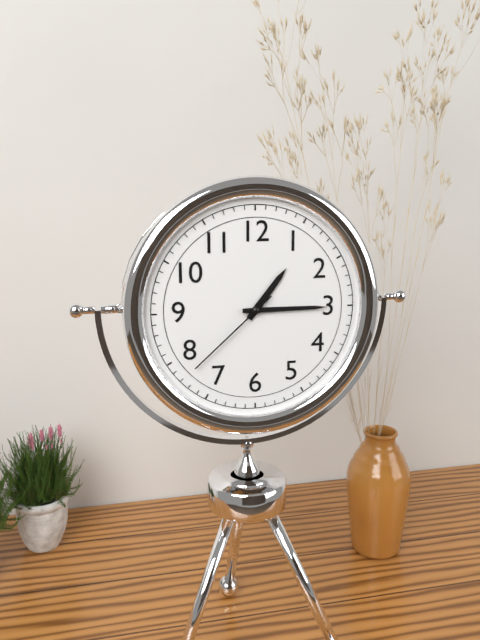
**1:15:38**
